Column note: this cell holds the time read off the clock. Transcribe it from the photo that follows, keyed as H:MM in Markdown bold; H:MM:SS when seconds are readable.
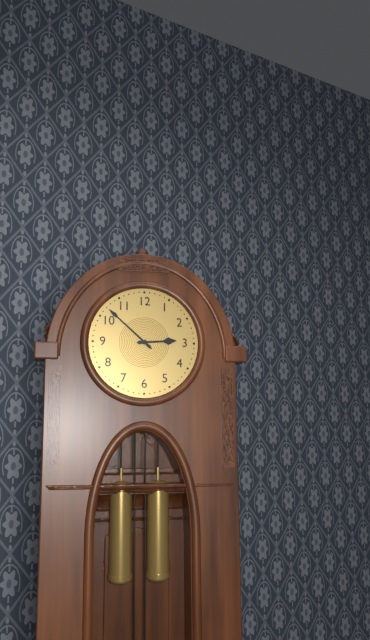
**2:52**
